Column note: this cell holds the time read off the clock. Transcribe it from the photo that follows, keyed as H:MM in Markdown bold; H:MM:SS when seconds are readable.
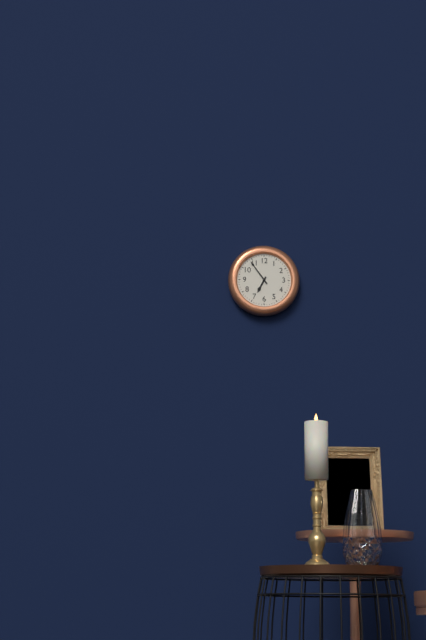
**6:54**
